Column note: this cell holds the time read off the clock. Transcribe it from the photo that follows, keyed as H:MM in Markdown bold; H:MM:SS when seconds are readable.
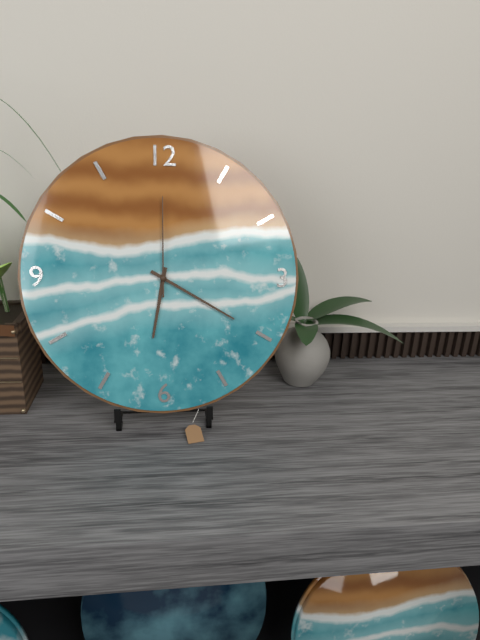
**6:20:00**
